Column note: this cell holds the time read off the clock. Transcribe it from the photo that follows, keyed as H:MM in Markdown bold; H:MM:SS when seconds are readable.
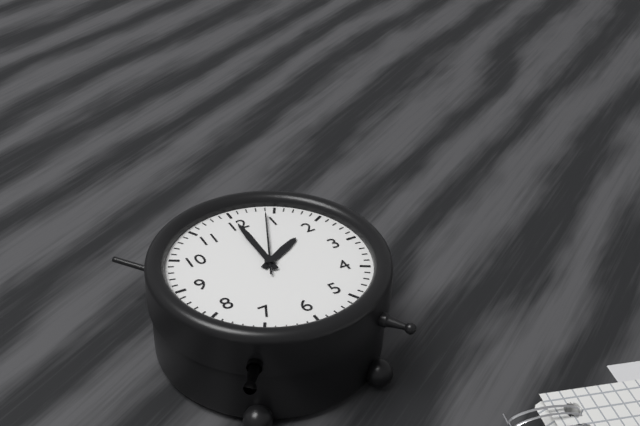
**2:00:04**
